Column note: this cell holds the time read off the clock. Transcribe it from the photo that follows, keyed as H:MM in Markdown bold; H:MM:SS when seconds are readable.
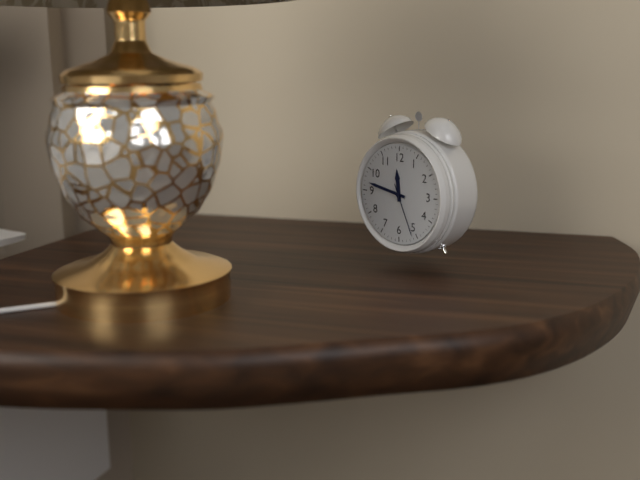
**11:47:26**
